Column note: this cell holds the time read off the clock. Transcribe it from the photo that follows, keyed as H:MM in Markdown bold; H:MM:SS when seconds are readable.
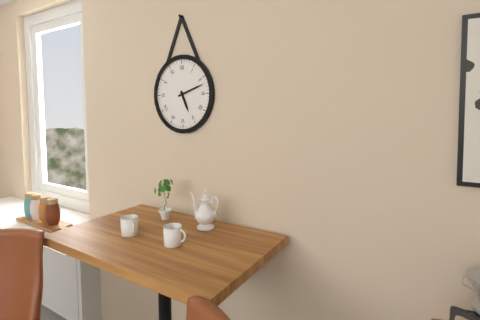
**5:12**
